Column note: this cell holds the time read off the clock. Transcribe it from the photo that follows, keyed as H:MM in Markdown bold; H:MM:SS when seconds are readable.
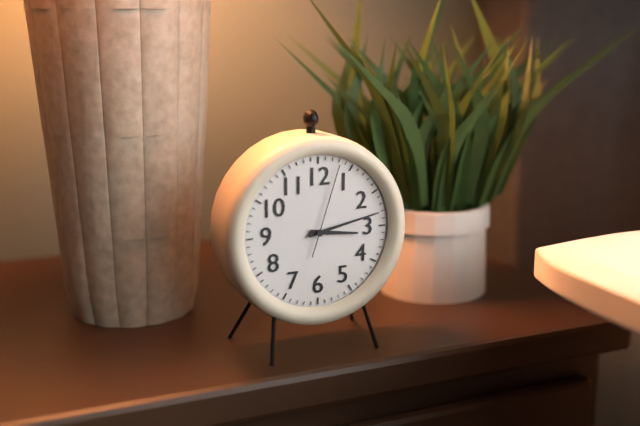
**3:13:03**
